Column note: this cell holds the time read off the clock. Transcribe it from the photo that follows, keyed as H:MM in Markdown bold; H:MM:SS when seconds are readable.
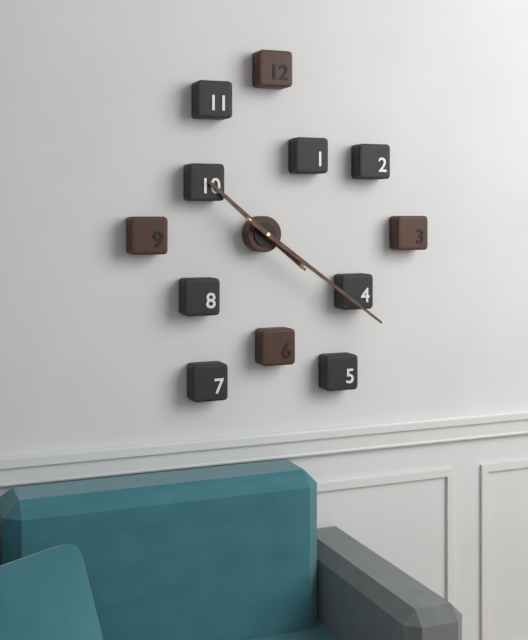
**10:21**
